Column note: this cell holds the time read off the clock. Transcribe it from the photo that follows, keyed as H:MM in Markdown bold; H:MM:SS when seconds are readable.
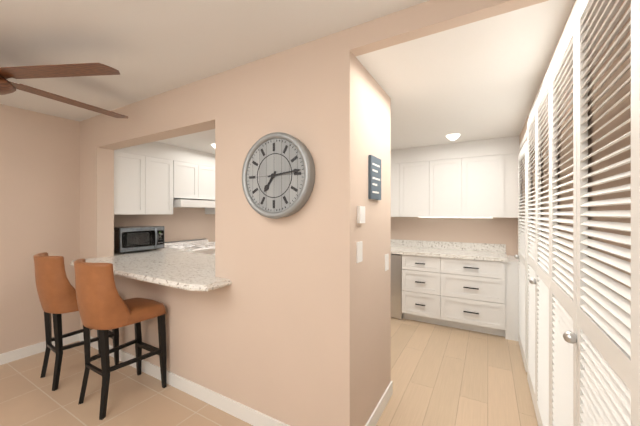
**7:14**
